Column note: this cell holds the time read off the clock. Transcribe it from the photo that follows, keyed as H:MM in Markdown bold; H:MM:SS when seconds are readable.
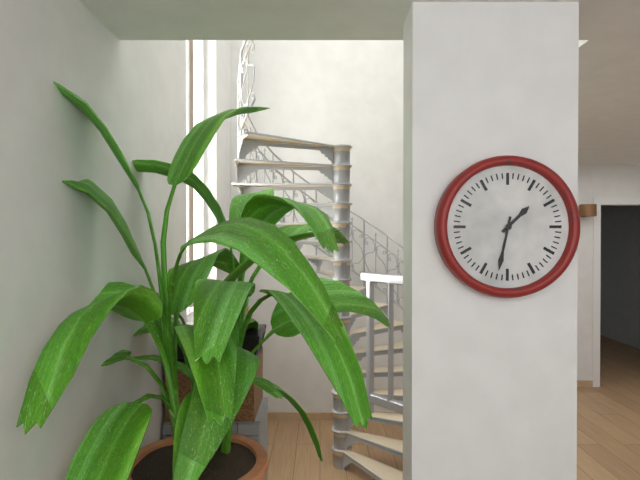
**1:32**
